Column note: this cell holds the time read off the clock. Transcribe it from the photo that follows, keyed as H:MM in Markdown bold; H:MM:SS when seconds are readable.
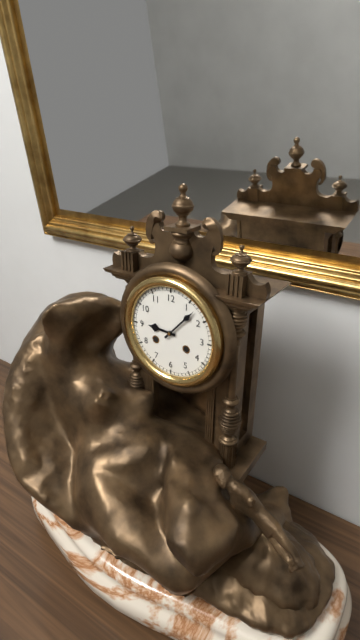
**9:07**
